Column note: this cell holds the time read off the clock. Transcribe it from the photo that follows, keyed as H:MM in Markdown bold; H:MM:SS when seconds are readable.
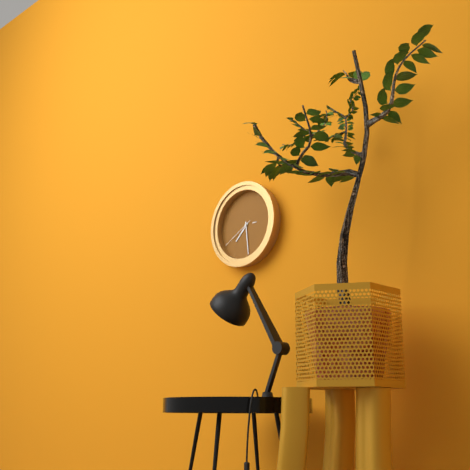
**7:29**
